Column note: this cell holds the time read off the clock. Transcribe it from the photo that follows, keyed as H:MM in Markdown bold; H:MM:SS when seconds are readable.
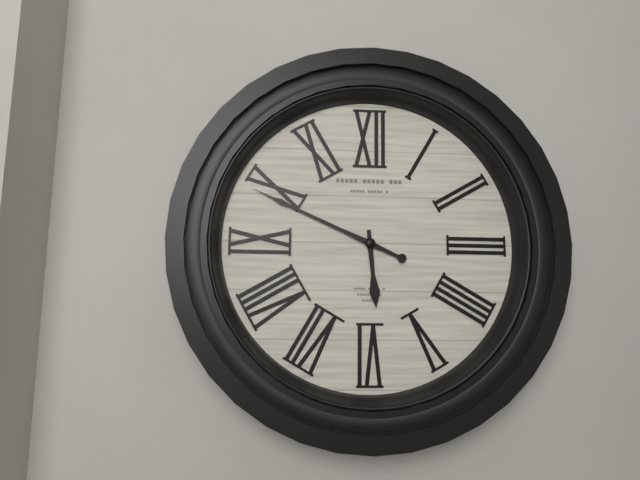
**5:49**
